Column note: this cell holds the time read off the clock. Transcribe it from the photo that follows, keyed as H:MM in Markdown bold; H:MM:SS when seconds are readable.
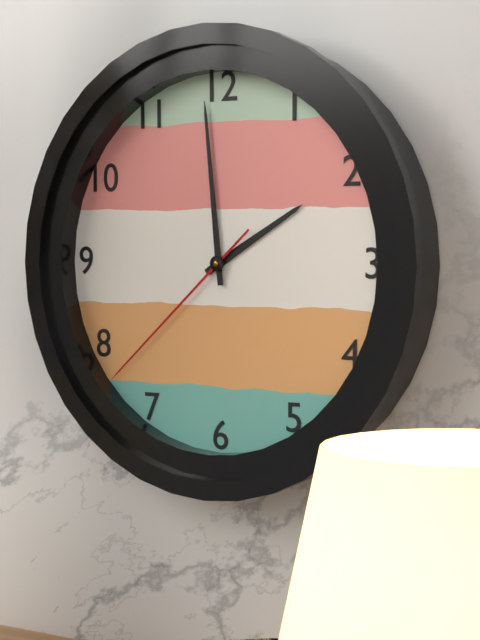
**1:59:38**
